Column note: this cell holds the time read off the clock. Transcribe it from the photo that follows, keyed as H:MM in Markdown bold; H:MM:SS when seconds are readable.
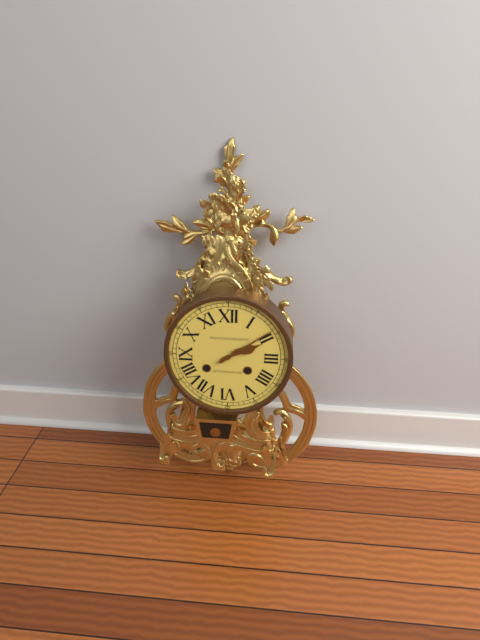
**2:09**
